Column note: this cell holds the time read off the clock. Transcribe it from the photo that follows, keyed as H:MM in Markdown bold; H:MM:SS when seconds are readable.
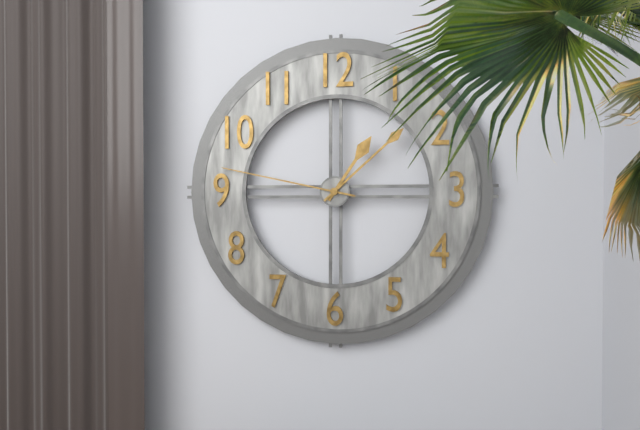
**1:08:47**
